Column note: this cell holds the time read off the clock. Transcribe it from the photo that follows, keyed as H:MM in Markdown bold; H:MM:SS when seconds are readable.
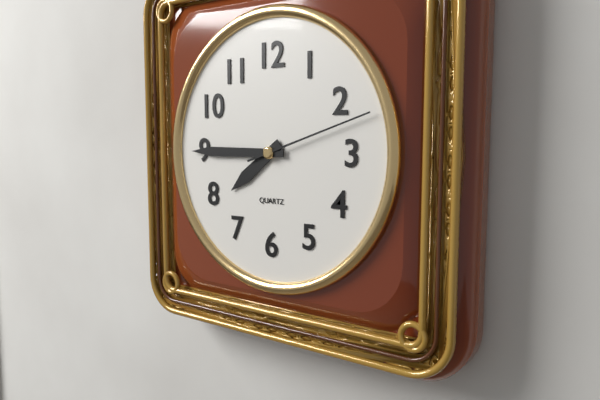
**7:45:12**
